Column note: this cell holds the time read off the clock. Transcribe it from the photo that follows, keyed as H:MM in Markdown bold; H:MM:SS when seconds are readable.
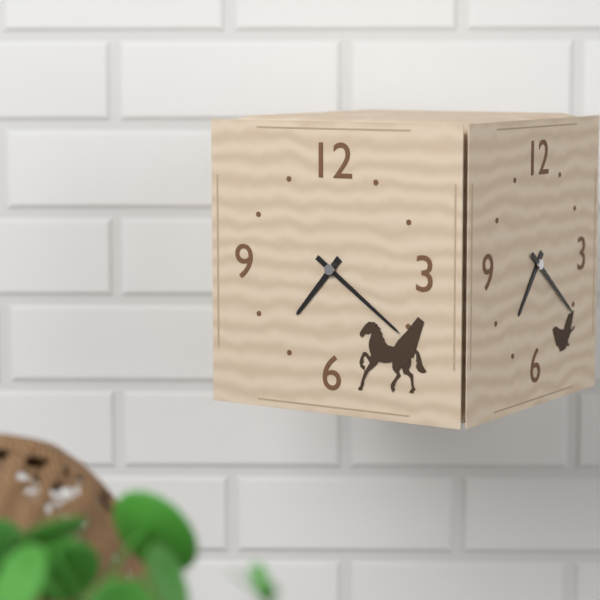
**7:21**
